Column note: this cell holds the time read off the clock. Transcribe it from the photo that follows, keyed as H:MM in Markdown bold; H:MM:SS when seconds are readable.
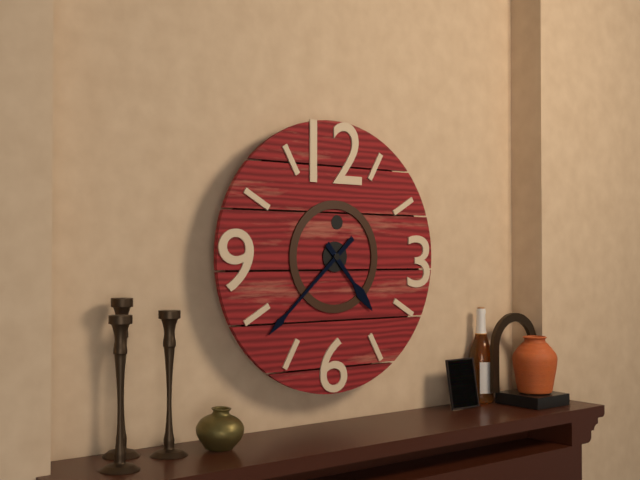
**4:38**
